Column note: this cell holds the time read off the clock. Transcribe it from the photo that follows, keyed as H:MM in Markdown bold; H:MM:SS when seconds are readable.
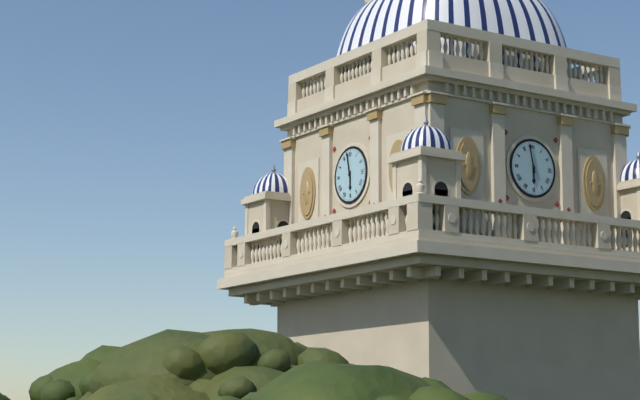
**5:58**
